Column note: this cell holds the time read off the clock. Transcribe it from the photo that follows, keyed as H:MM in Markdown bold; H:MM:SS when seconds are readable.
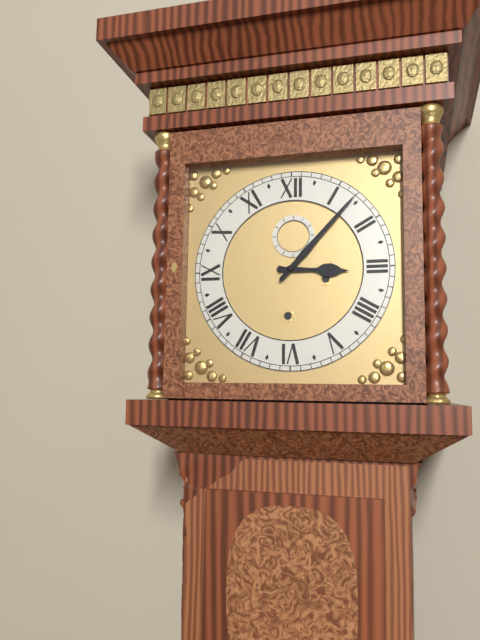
**3:07**
